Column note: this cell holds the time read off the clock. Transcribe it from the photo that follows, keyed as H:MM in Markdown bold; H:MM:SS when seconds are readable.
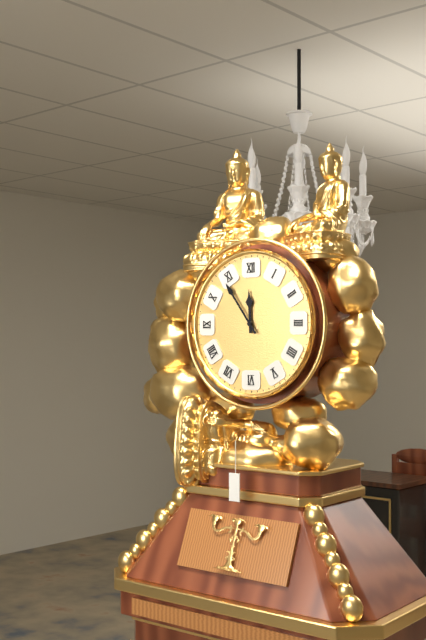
**11:54**
